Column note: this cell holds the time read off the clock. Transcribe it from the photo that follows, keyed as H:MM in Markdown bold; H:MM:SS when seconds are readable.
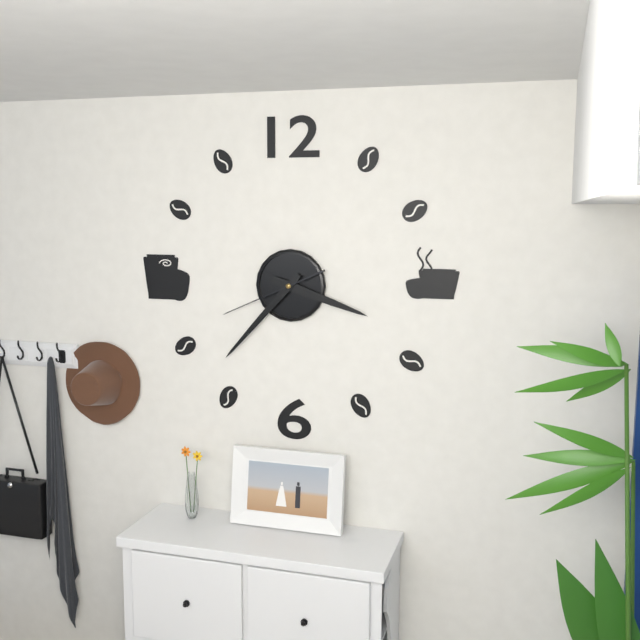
**3:37:41**
